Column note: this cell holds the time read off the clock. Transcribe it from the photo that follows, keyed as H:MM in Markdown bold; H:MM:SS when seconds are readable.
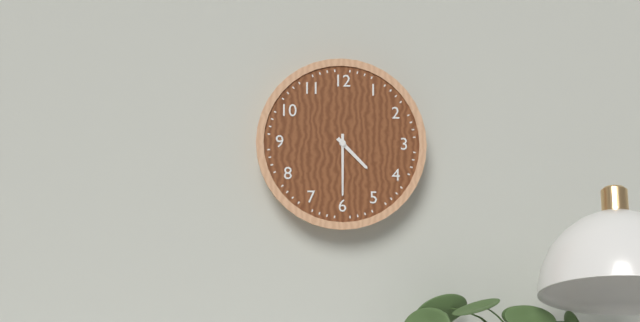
**4:30**
